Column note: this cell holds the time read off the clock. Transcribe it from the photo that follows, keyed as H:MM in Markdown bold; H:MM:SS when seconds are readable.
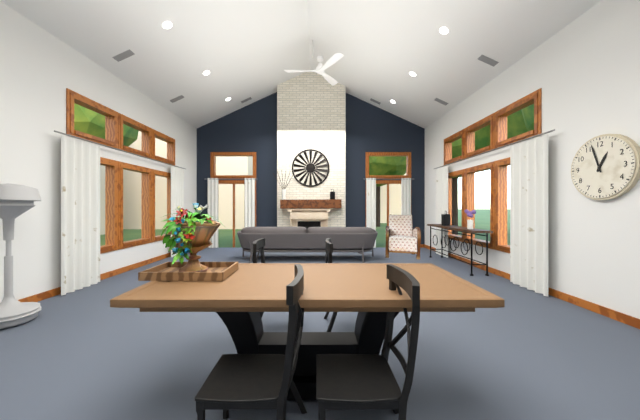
**12:57**
